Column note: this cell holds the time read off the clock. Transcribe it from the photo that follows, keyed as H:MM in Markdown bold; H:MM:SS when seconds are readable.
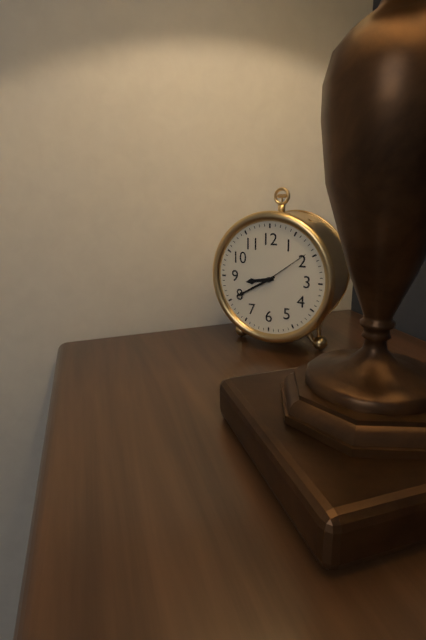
**8:40:09**
